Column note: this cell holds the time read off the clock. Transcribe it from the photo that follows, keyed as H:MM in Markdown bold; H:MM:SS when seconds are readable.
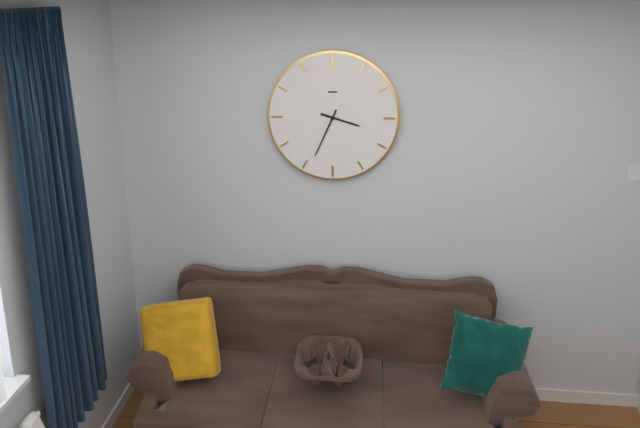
**3:34**
